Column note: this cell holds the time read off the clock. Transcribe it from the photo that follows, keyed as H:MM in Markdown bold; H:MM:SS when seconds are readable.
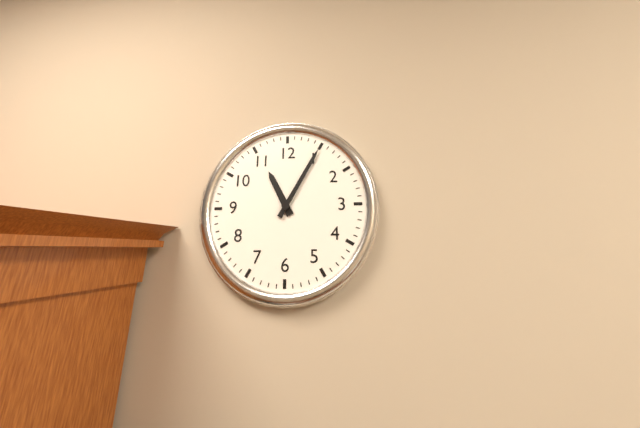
**11:05**
